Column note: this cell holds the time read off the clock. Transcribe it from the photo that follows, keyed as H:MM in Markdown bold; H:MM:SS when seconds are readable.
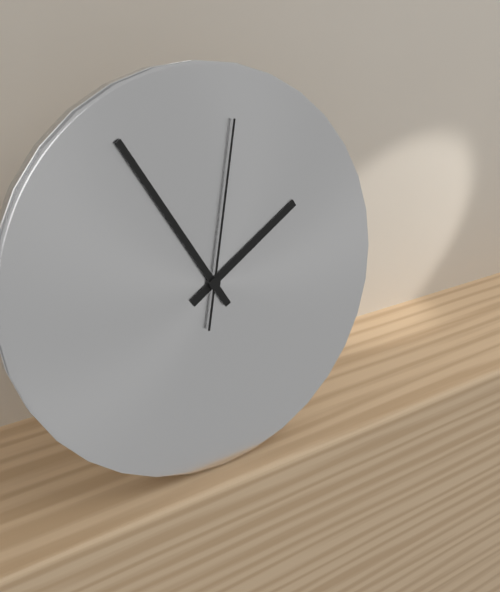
**1:55:02**
